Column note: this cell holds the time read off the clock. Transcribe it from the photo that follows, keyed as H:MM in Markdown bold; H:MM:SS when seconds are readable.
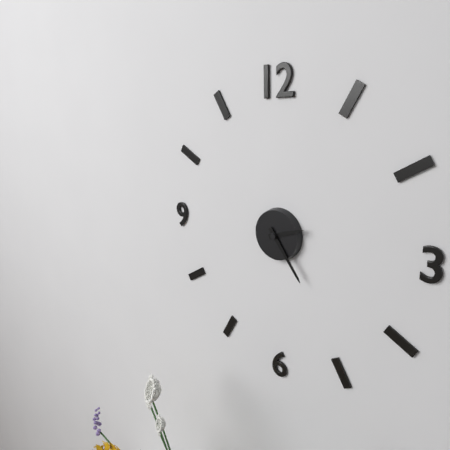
**2:24**
